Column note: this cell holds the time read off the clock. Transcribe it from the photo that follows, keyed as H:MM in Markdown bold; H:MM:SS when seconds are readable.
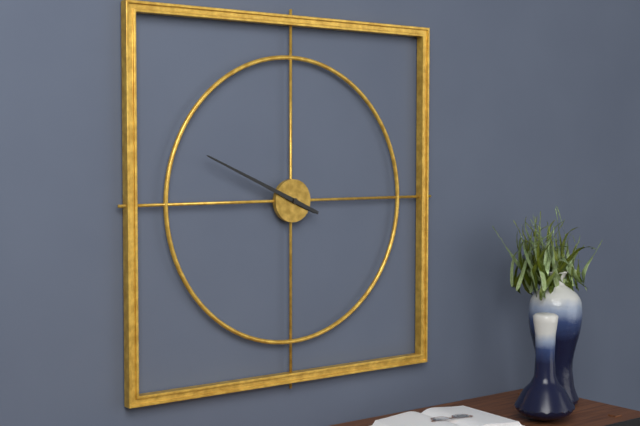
**9:49**
